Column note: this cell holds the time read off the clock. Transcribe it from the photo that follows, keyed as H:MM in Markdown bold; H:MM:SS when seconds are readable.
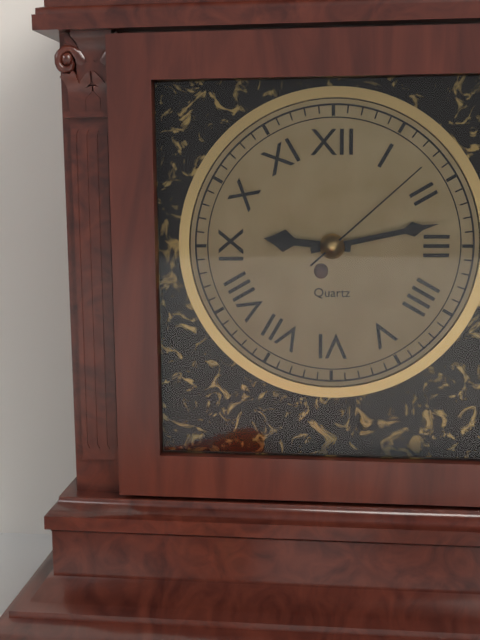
**9:13:08**
